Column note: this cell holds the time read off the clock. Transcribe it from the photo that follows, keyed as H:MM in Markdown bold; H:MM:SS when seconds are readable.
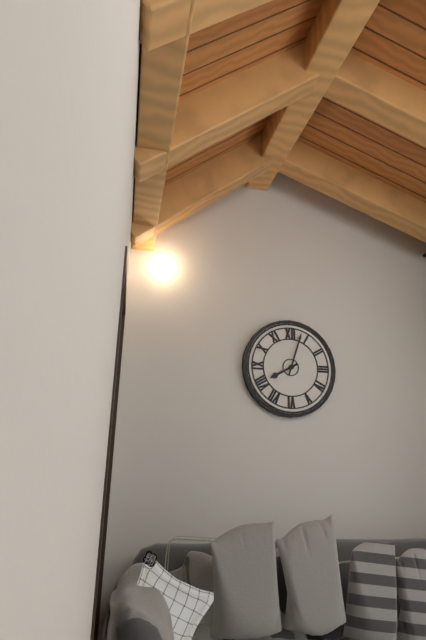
**8:03**
